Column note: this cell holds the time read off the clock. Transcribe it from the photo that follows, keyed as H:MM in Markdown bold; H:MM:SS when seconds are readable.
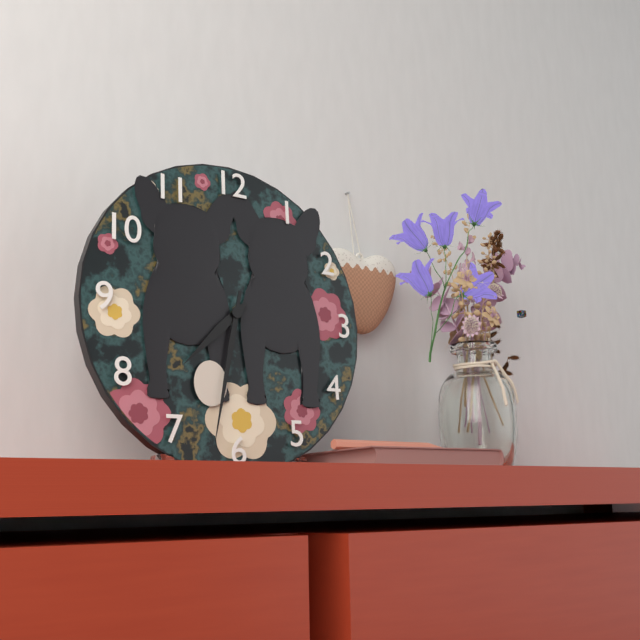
**7:32**
